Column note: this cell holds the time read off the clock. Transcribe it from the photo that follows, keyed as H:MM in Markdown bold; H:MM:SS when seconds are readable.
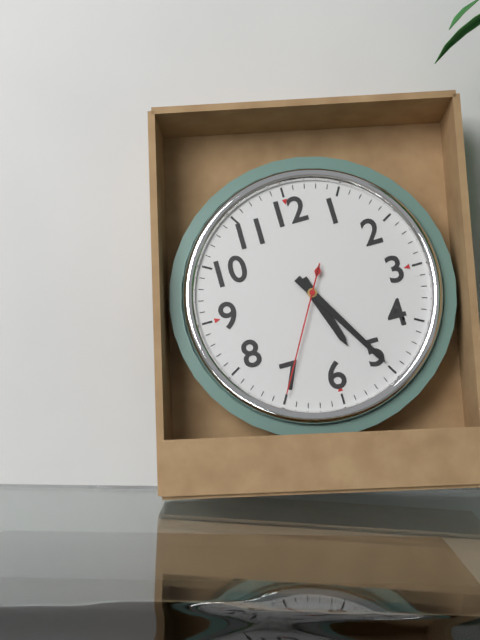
**5:25:35**
